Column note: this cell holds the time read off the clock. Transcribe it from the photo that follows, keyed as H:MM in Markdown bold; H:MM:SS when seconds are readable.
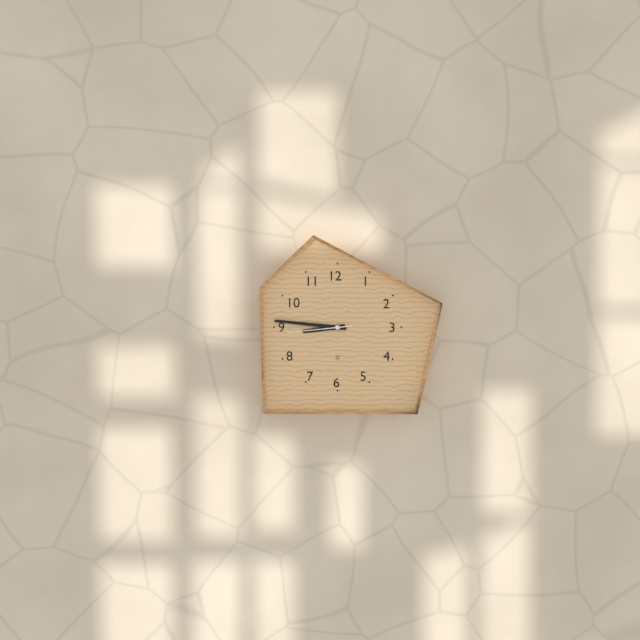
**8:46:44**
